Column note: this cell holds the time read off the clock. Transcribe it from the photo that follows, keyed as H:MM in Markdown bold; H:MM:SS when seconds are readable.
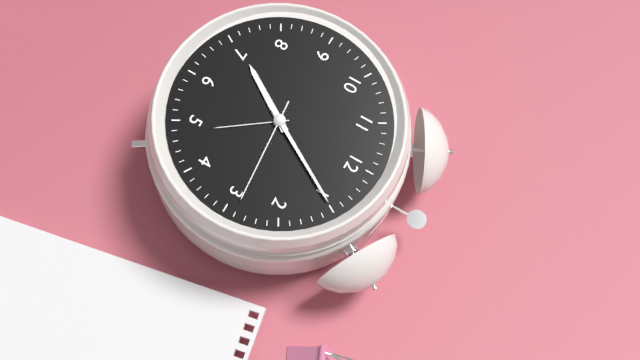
**7:05:14**
